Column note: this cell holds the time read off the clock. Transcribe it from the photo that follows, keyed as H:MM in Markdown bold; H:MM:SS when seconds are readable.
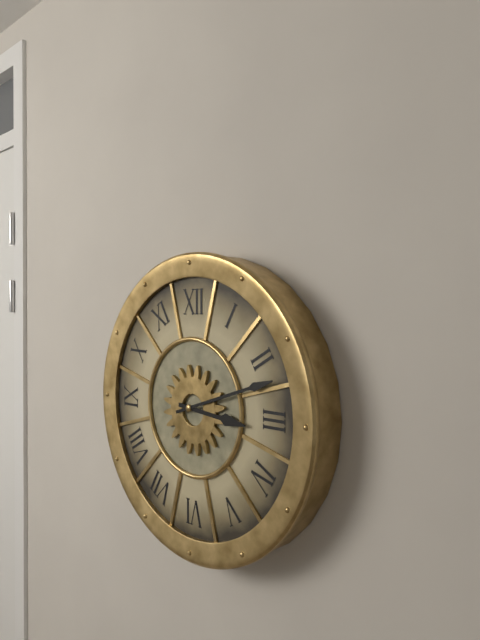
**3:12**
